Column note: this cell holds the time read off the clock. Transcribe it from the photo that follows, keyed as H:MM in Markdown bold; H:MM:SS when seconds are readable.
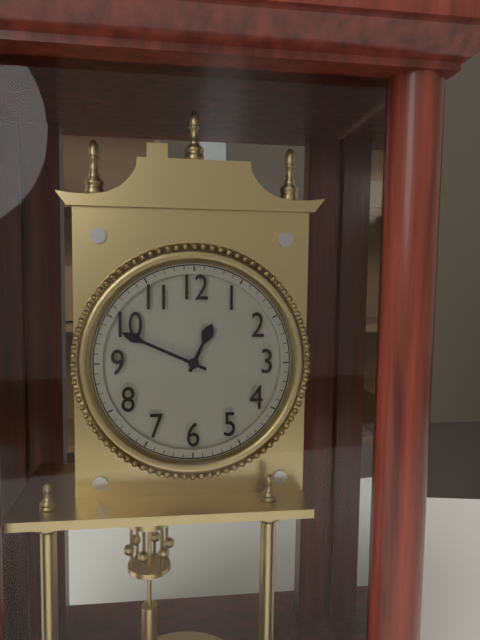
**12:49**
